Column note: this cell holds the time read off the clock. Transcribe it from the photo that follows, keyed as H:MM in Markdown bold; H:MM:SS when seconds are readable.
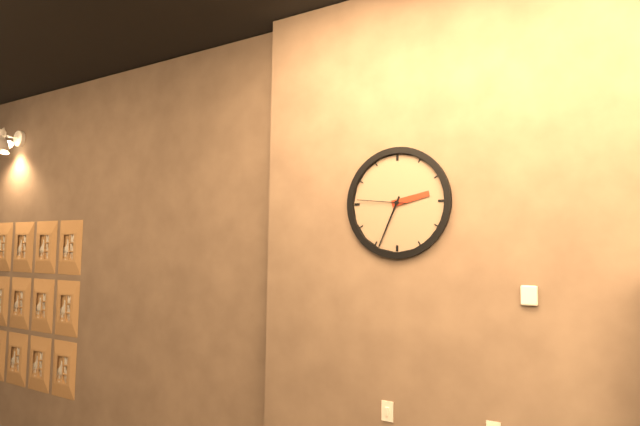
**2:34:46**
